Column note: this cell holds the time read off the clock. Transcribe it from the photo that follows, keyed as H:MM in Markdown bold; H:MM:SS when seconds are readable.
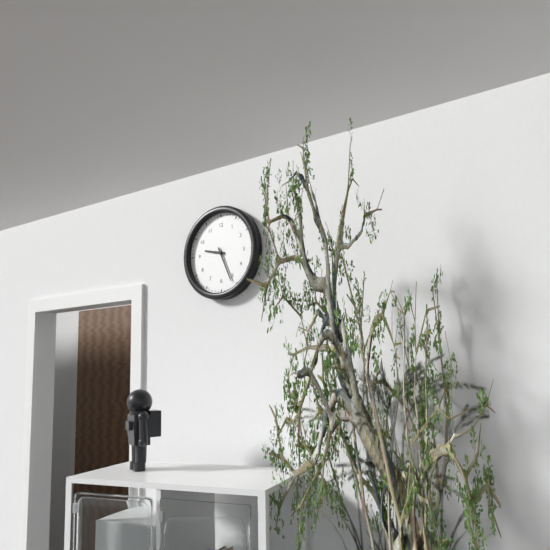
**9:26**
